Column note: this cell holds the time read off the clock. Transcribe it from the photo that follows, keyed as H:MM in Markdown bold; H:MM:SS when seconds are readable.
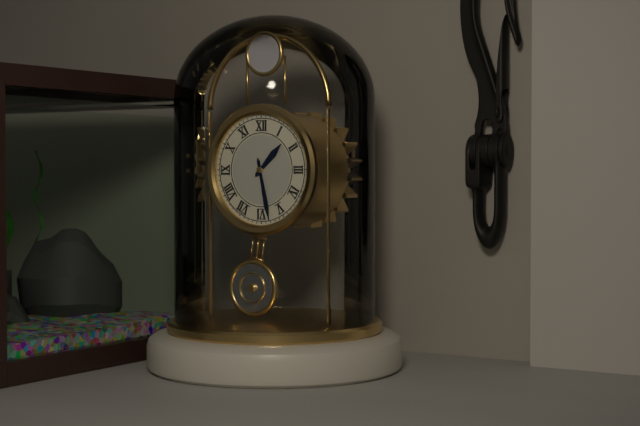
**1:28**
